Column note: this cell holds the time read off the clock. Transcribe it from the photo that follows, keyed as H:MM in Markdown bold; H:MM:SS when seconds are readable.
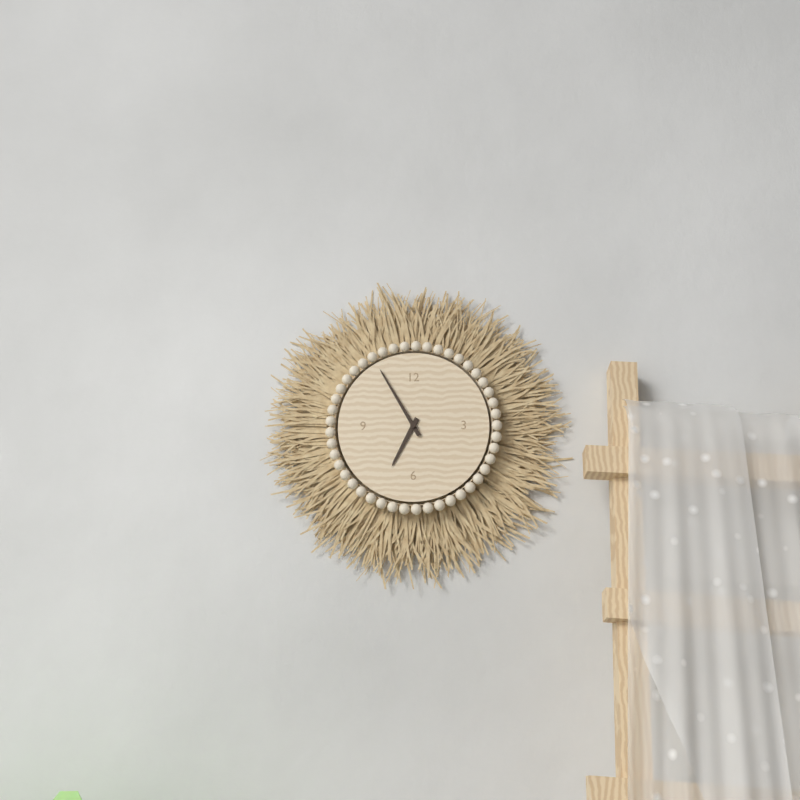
**6:55**
